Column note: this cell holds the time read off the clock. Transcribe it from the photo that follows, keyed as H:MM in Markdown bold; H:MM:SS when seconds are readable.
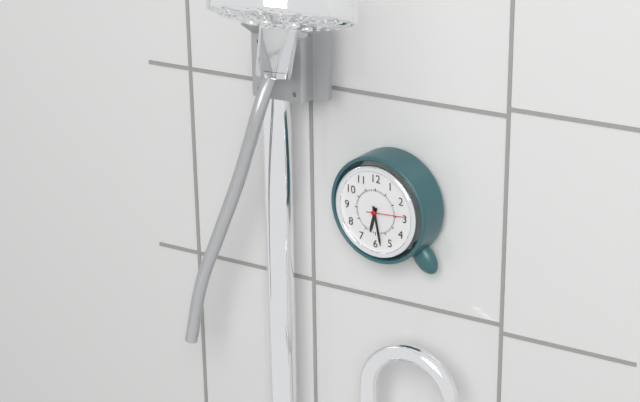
**6:28**
